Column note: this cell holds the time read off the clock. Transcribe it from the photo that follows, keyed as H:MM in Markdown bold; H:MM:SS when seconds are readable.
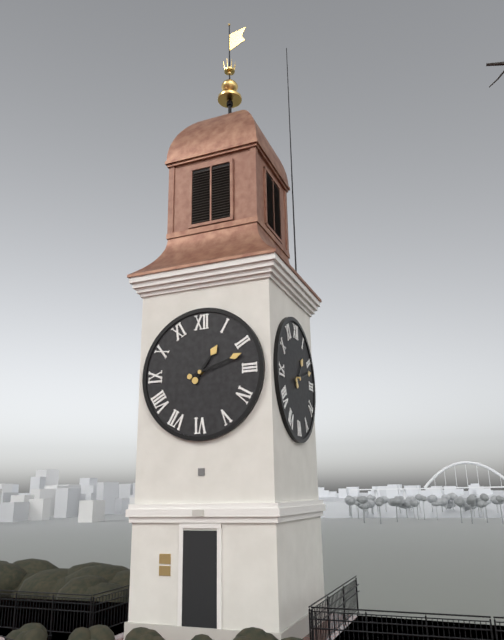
**1:12**
